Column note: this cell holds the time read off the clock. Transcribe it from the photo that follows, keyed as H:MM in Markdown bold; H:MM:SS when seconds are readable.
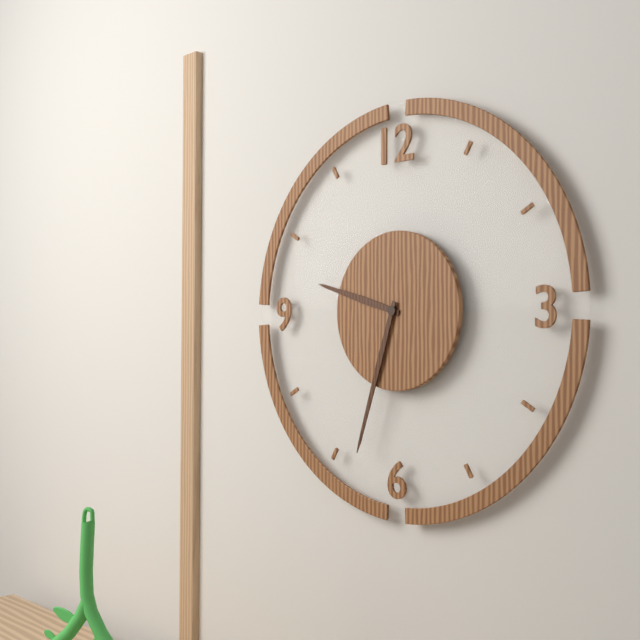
**9:33**
